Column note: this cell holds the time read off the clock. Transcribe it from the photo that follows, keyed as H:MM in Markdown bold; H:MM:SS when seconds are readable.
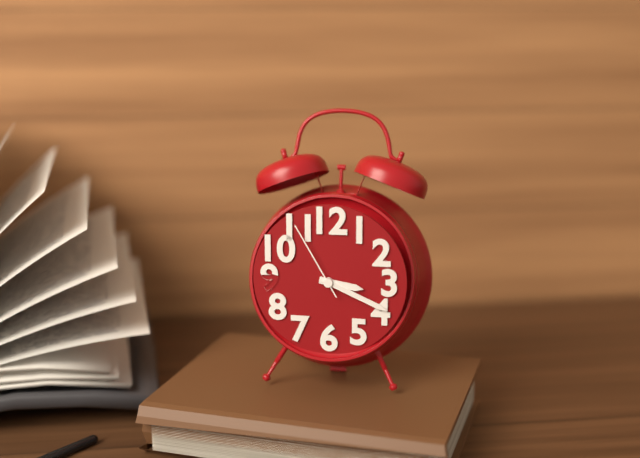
**3:19:55**
